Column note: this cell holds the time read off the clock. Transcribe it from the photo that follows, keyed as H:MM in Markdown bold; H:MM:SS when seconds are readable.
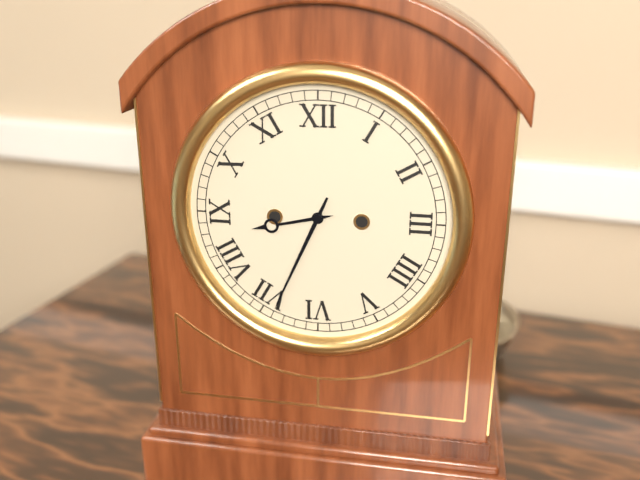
**8:34**
